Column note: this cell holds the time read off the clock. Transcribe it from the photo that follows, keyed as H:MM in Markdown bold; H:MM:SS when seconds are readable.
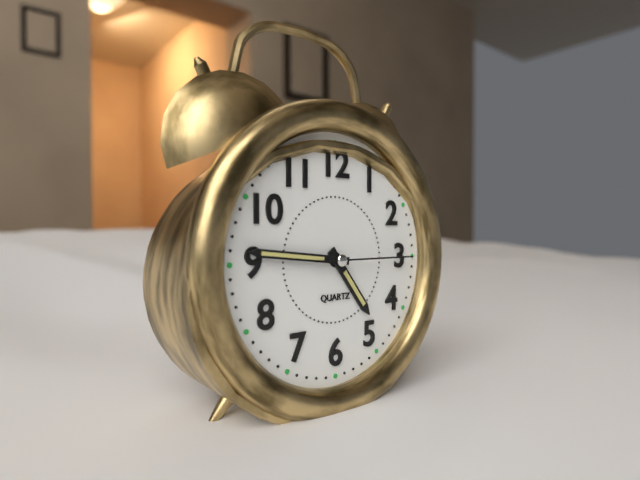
**4:46:15**
